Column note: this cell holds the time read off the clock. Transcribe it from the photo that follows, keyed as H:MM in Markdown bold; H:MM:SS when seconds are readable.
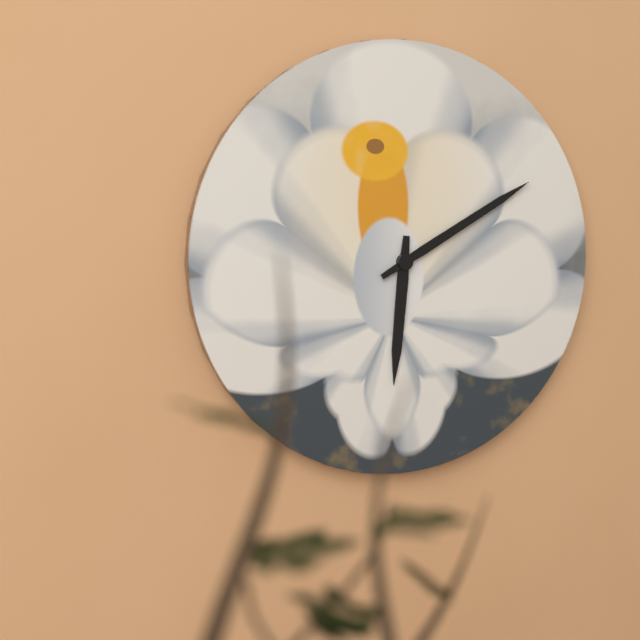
**6:10**
